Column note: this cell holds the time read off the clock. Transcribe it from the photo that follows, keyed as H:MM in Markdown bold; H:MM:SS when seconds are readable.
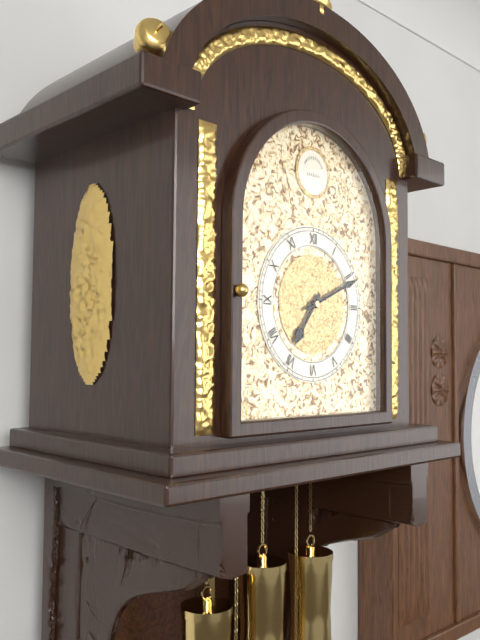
**7:11**
